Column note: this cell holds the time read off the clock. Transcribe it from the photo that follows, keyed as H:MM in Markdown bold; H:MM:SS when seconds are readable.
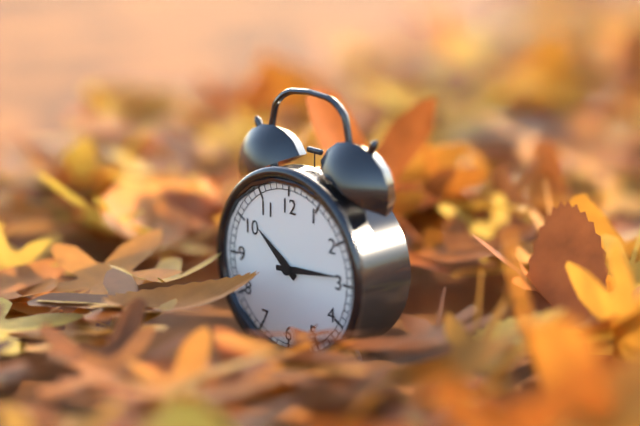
**10:14**
